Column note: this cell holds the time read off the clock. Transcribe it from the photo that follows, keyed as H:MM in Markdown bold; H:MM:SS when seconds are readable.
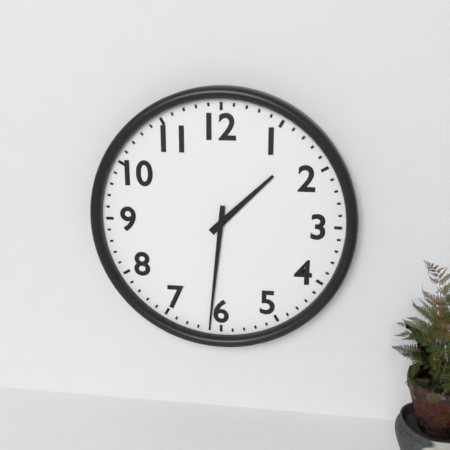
**1:31**
